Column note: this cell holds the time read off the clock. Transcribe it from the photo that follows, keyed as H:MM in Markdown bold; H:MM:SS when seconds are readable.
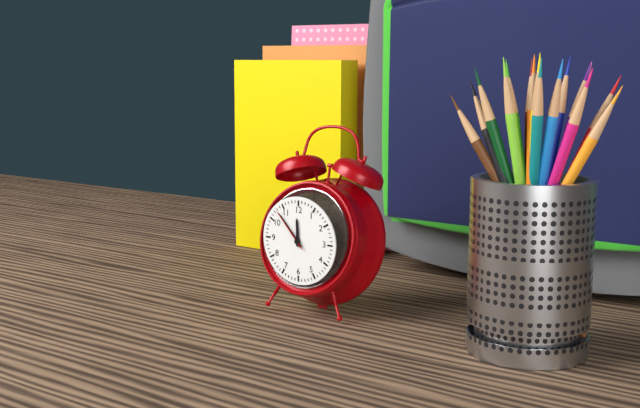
**11:53**
